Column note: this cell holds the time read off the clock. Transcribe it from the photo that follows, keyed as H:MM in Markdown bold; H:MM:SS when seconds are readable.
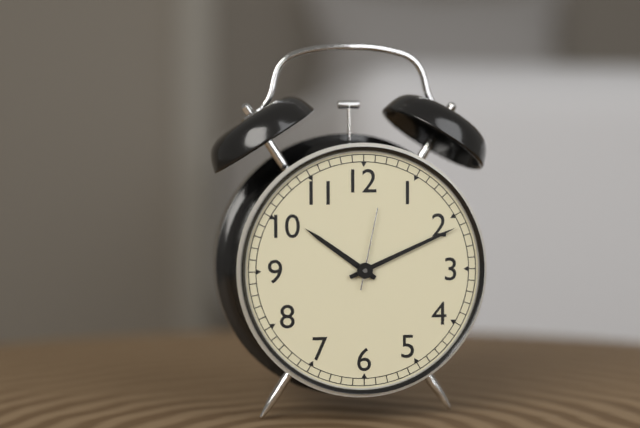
**10:11:02**
